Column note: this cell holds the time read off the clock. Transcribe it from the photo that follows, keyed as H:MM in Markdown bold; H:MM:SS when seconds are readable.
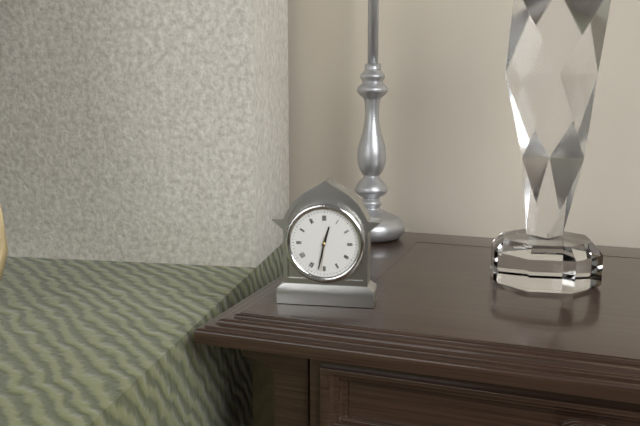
**12:32**
